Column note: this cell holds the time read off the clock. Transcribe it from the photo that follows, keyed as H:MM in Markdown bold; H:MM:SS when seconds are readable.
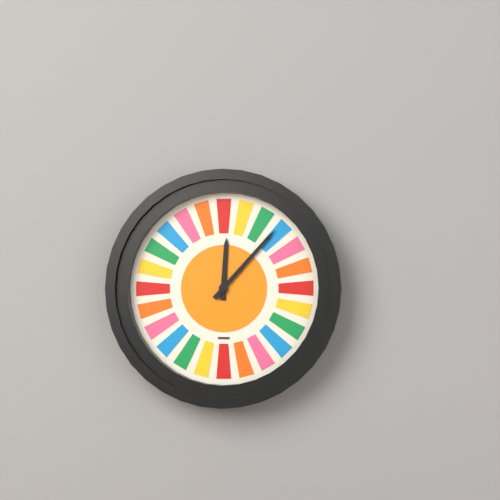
**12:07**
